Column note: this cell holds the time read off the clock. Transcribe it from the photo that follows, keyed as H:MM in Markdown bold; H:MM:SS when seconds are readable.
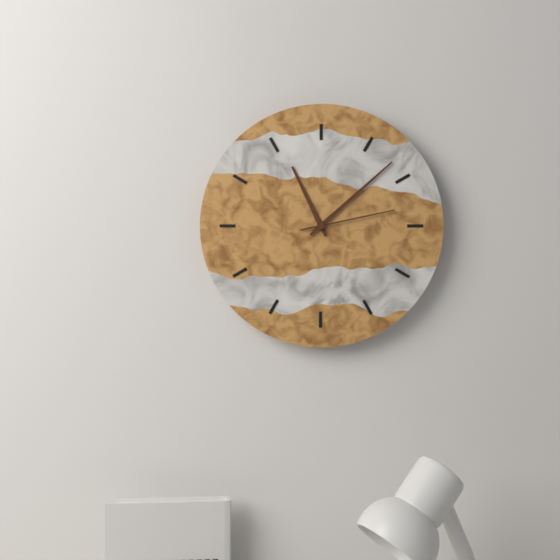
**11:08:13**
